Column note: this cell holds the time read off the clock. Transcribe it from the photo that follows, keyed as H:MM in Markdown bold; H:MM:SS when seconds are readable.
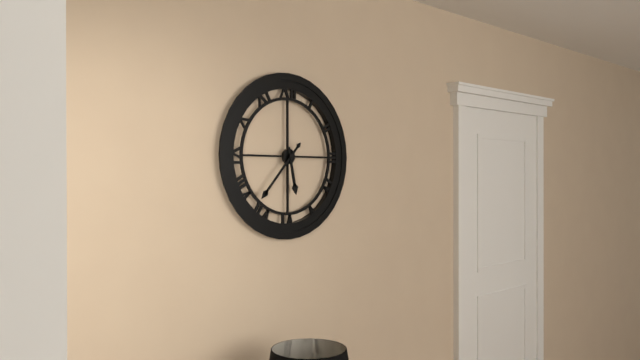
**5:37**
